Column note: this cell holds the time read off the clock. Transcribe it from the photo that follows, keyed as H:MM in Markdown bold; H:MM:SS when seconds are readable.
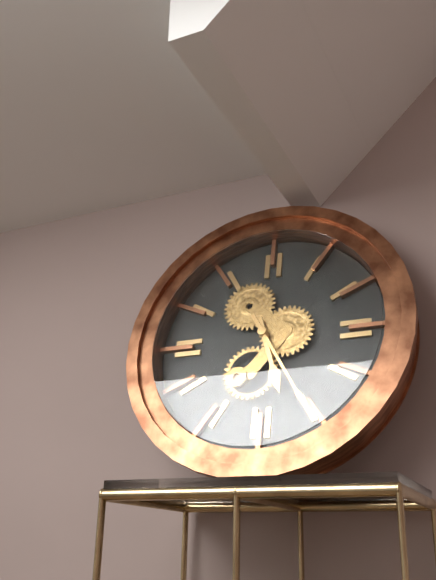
**5:25**
